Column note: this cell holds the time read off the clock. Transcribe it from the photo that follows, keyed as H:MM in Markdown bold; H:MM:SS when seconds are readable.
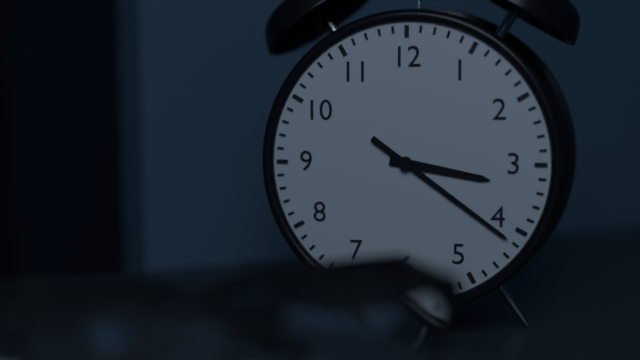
**3:21**
